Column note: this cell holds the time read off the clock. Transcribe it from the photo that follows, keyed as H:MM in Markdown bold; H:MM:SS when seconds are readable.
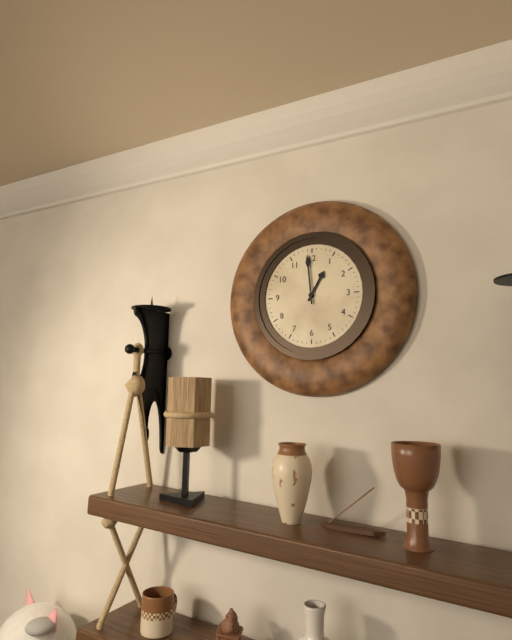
**12:59**
